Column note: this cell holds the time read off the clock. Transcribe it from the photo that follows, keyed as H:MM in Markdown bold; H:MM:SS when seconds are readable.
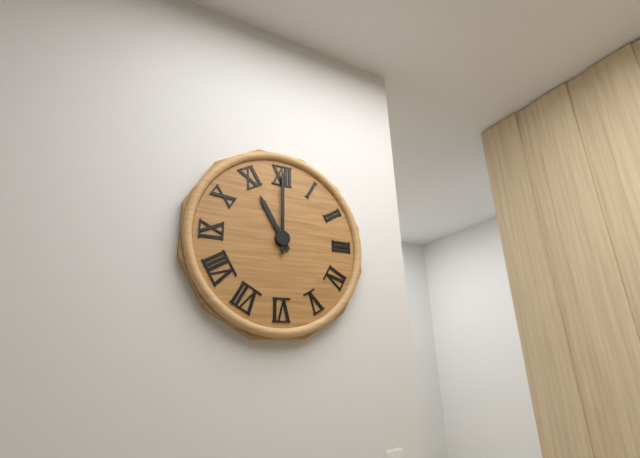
**11:00**
